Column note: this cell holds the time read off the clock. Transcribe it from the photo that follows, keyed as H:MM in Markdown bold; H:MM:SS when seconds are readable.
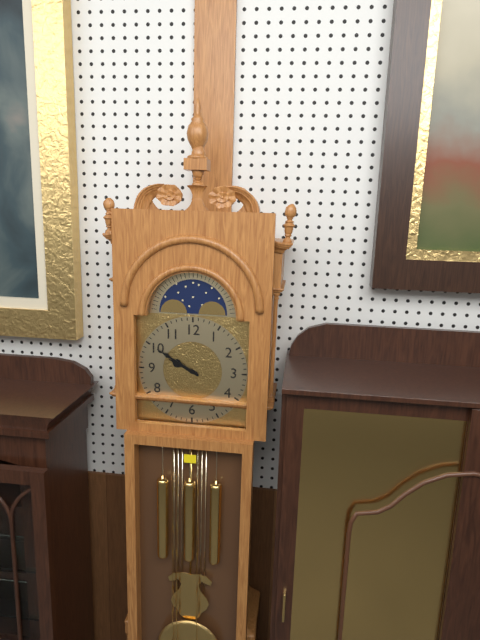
**9:50**
